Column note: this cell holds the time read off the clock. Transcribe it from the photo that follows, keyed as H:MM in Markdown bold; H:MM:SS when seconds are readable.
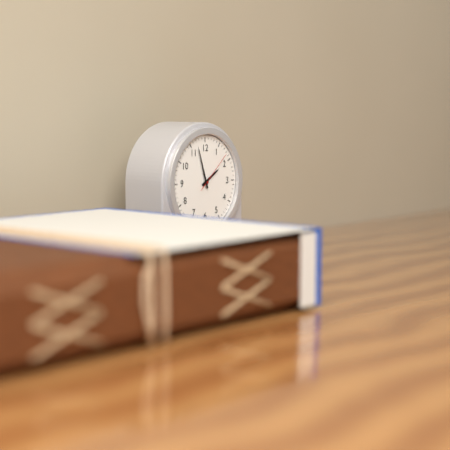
**1:57**
